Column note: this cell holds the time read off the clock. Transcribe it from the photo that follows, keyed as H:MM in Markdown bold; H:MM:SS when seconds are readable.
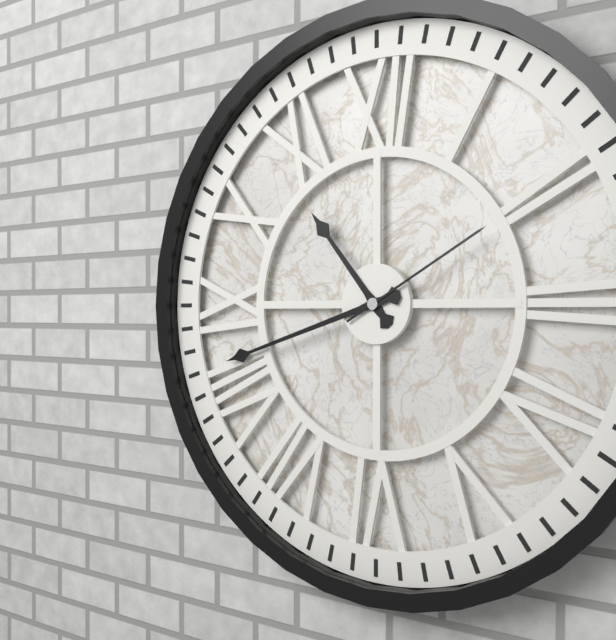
**10:42:10**
